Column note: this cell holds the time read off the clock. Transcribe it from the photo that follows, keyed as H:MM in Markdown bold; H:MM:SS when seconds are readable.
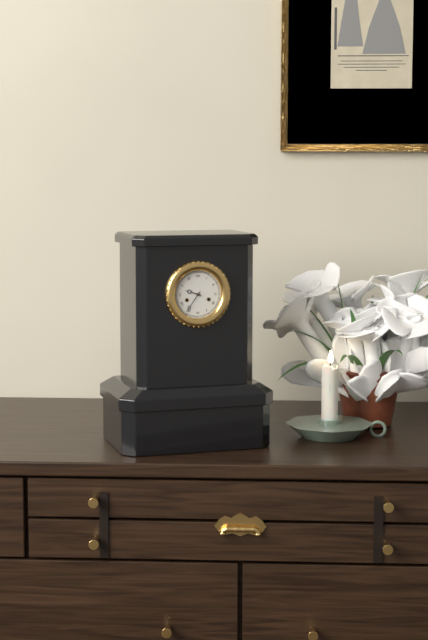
**9:36**
